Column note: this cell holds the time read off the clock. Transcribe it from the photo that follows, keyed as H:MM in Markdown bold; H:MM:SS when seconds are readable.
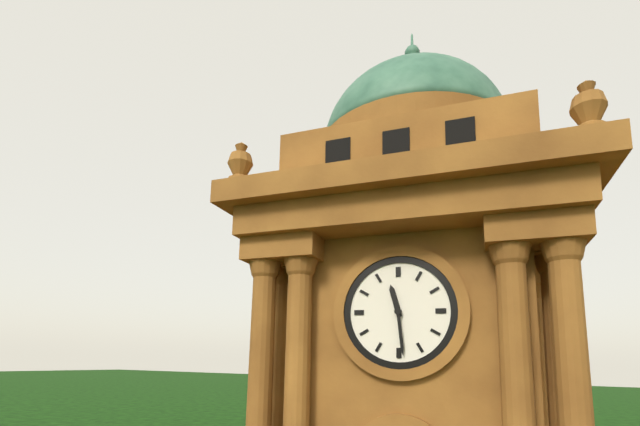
**11:29**
